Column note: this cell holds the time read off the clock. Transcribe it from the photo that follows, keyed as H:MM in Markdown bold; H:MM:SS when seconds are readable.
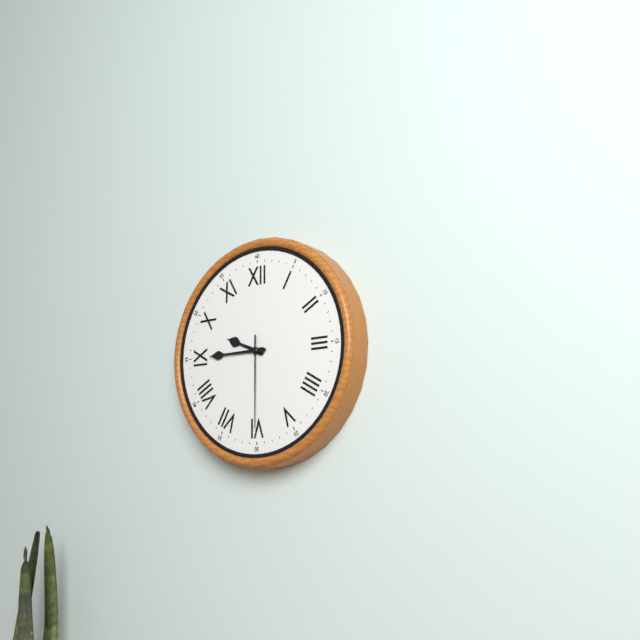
**9:45:30**
